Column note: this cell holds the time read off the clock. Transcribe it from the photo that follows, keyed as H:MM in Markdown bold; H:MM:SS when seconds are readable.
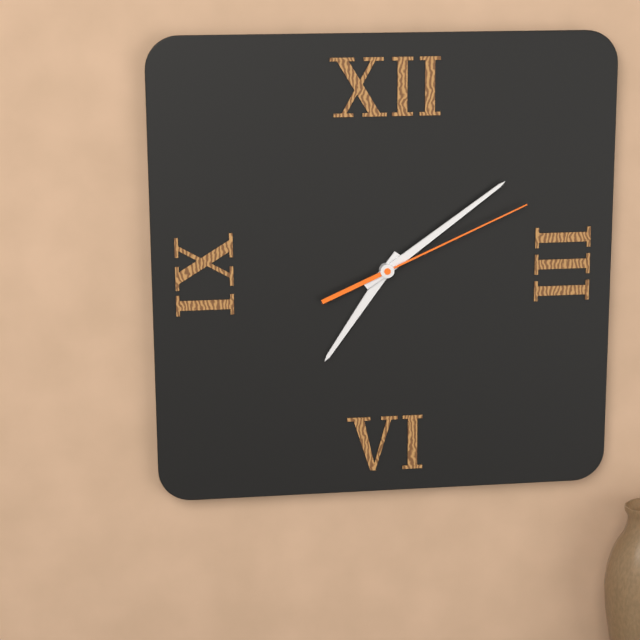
**7:09:11**
